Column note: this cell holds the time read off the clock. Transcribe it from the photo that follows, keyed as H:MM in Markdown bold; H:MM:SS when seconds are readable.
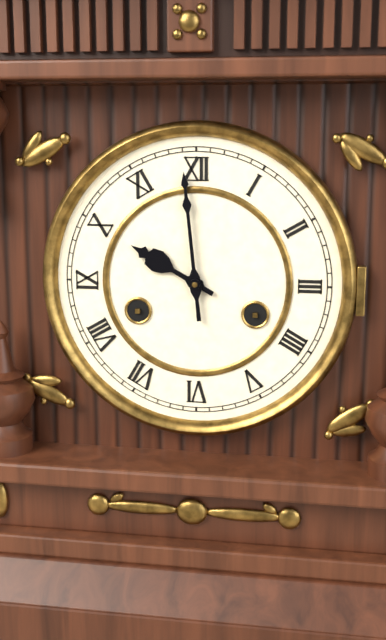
**9:59**
